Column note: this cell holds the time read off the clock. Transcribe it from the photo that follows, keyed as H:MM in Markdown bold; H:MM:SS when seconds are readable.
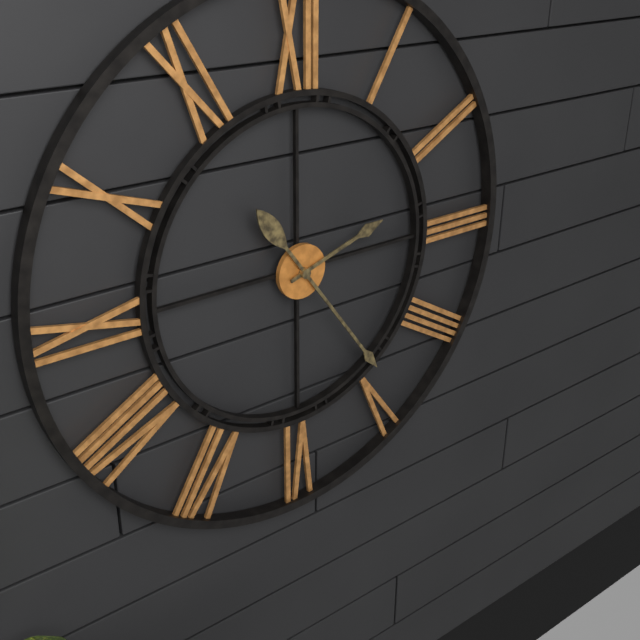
**2:24**
